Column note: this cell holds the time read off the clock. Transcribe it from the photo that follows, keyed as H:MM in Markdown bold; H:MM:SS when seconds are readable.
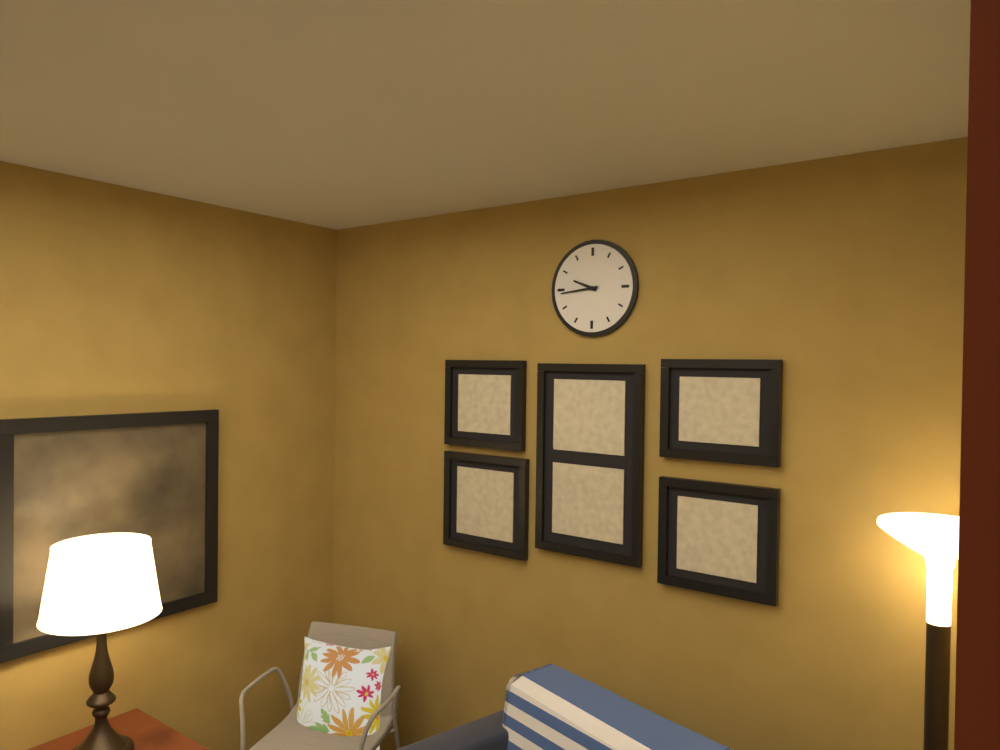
**9:44**
